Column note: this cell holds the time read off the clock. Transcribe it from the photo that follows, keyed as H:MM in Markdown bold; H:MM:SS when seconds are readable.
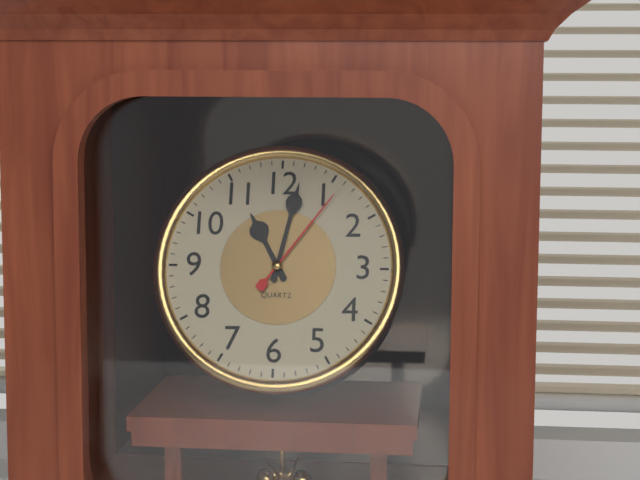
**11:02:06**
